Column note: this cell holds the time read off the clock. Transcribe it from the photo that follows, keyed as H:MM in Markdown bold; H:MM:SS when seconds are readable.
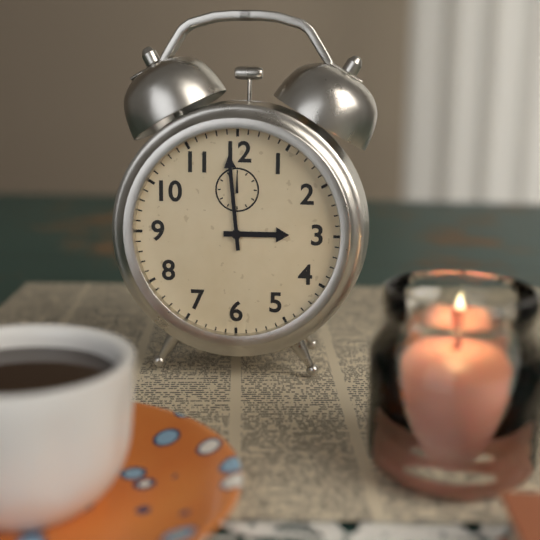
**2:59**
